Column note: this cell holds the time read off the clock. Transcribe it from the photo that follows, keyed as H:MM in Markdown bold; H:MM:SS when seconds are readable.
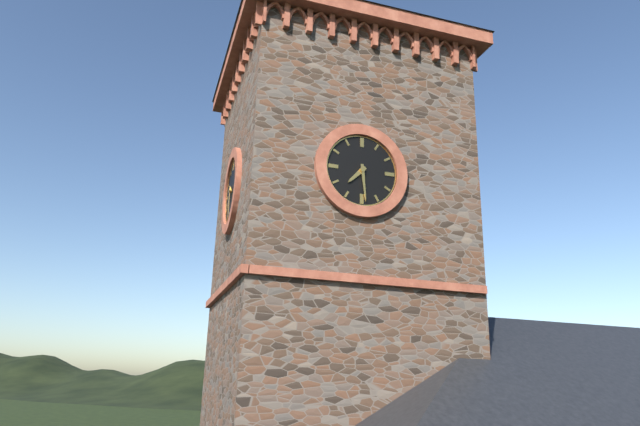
**7:29**
